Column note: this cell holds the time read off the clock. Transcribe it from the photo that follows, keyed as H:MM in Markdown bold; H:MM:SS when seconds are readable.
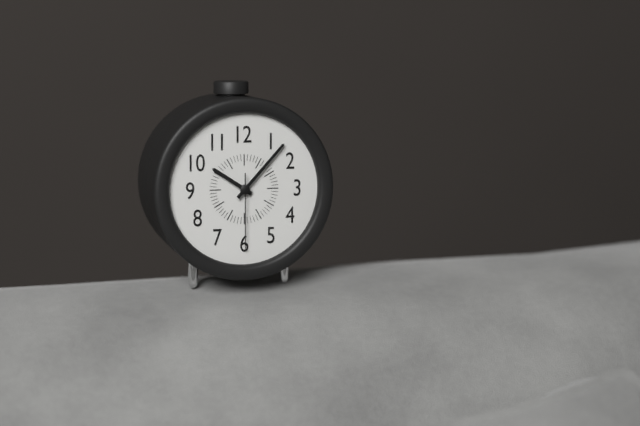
**10:07:30**
